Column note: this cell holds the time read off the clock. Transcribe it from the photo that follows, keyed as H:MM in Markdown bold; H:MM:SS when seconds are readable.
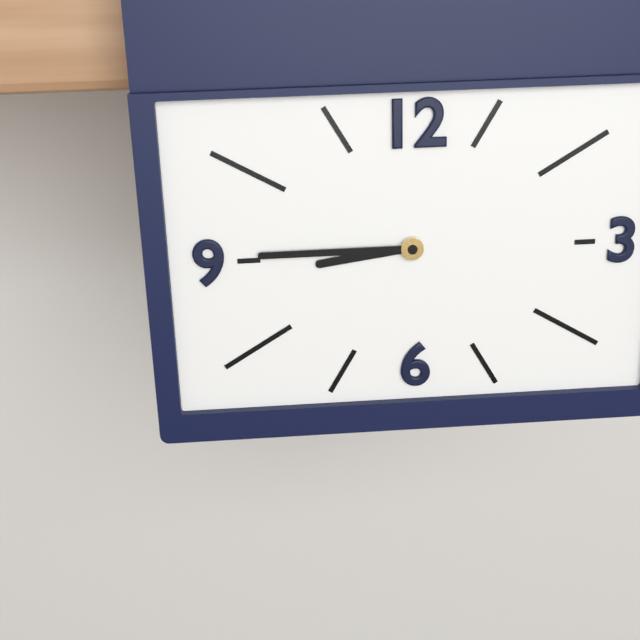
**8:45**
